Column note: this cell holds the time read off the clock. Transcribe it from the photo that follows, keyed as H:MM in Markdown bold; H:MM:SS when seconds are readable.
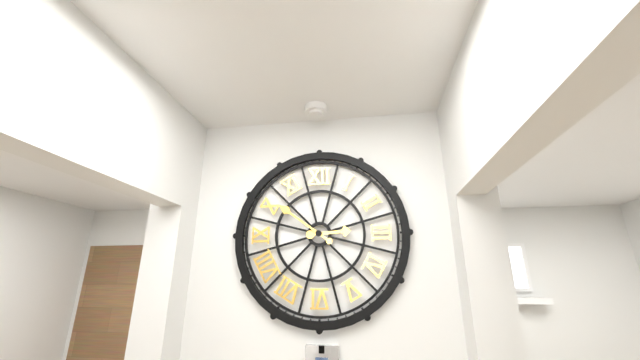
**2:51**
